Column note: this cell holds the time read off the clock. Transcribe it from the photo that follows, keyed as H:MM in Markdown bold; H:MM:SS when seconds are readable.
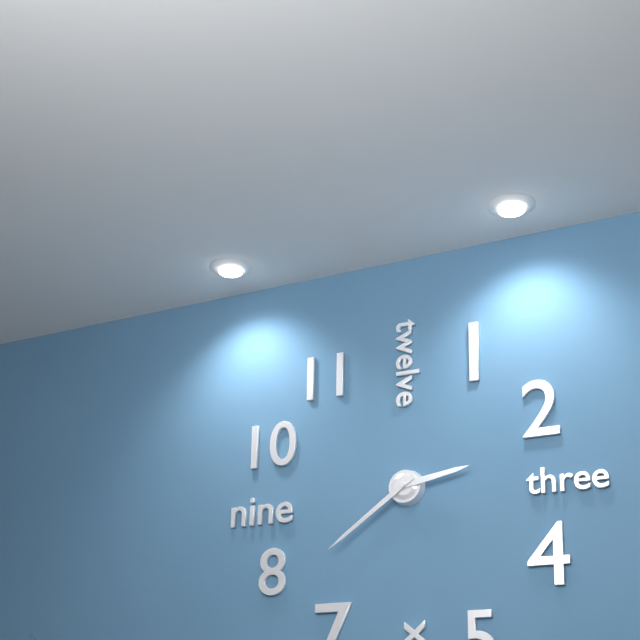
**2:39**
